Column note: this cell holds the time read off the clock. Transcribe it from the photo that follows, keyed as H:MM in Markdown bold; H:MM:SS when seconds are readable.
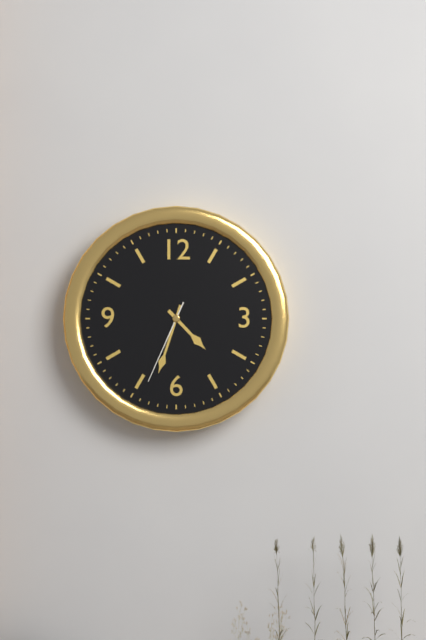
**4:33:34**
